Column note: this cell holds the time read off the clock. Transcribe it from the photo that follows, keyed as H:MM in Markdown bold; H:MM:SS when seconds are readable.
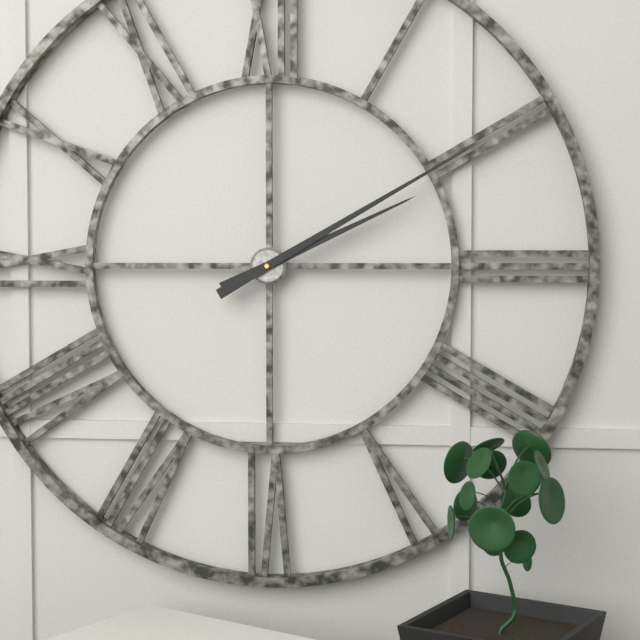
**2:10**
